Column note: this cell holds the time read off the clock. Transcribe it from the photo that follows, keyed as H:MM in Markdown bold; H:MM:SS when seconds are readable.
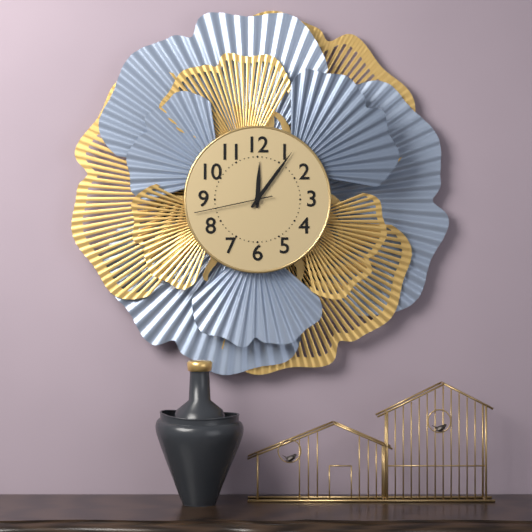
**12:06:43**
